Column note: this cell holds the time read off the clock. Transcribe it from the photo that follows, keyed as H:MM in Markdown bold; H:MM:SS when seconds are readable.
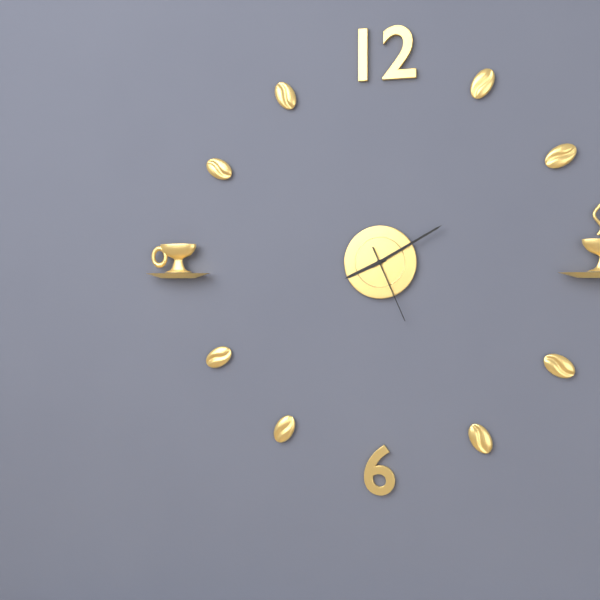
**8:10:26**
